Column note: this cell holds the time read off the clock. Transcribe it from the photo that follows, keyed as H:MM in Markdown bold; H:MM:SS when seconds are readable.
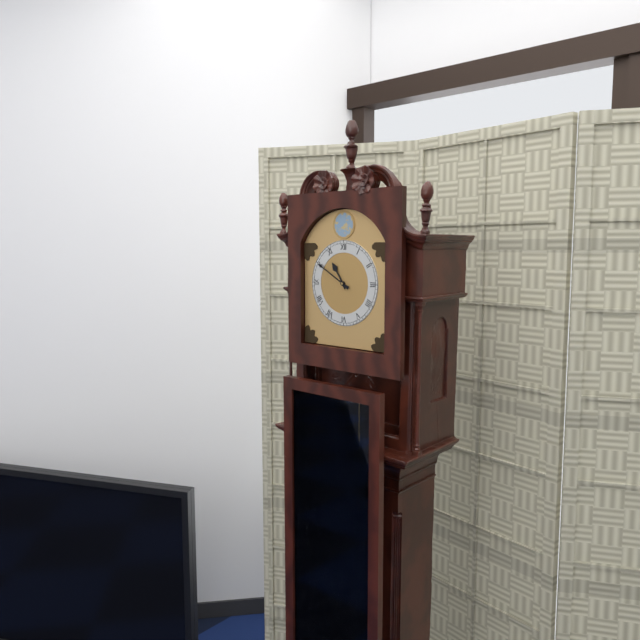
**10:50**
